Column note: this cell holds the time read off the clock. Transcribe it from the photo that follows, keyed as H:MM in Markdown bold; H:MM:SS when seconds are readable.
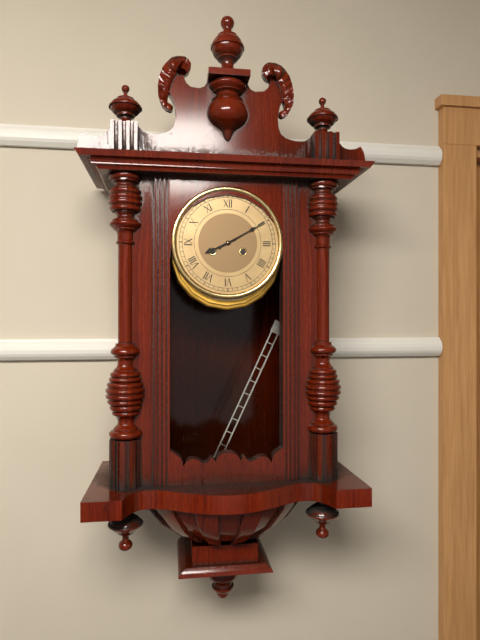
**8:10**
